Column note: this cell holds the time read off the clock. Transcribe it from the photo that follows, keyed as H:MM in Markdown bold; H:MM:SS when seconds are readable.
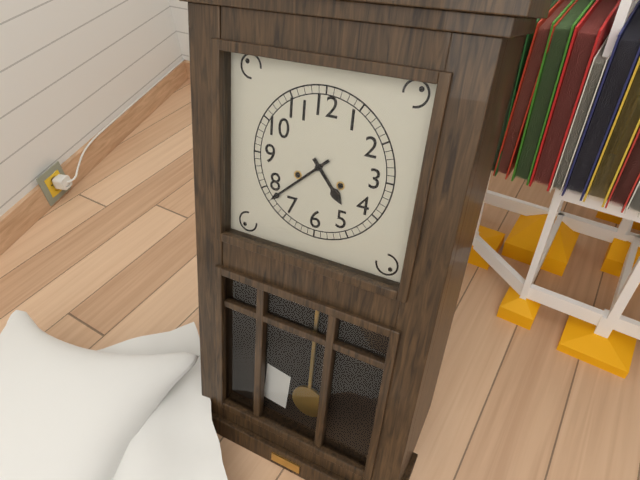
**4:38**
